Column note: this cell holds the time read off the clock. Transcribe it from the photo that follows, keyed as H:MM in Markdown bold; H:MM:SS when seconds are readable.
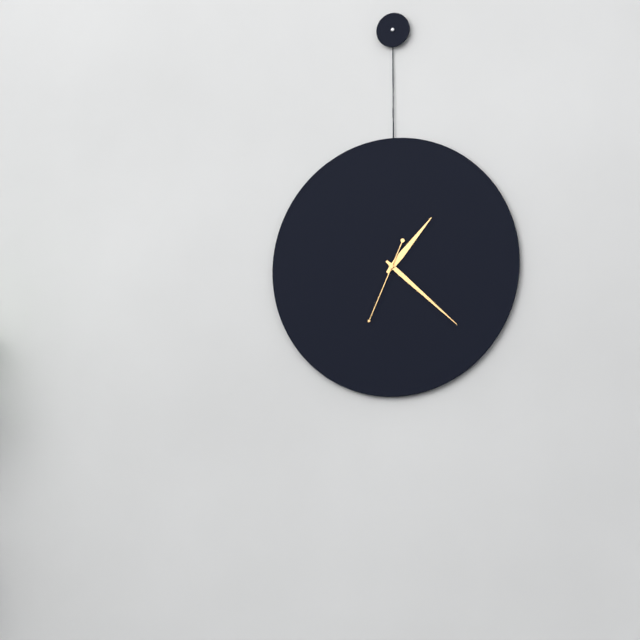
**1:22:34**
